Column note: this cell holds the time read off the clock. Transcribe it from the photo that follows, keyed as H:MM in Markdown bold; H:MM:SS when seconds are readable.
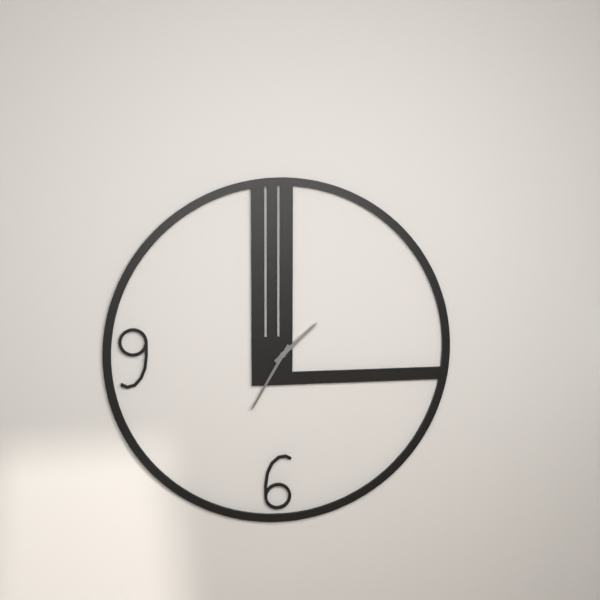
**1:35**
